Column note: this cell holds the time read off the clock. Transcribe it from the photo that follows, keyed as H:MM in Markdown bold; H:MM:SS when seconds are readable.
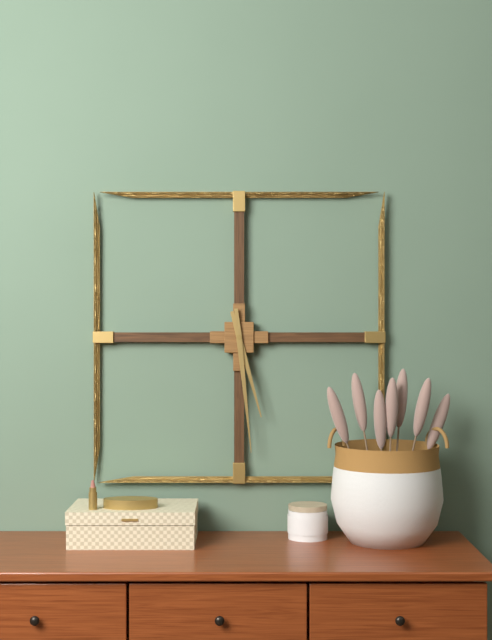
**5:29**
